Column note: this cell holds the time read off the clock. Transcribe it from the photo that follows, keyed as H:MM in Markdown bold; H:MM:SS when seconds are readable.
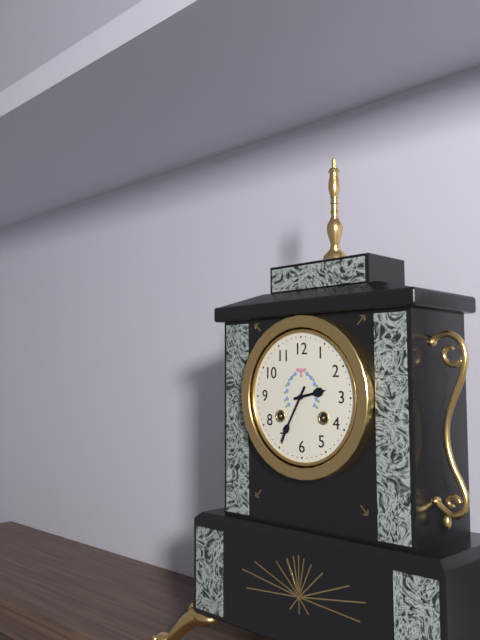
**2:35**
